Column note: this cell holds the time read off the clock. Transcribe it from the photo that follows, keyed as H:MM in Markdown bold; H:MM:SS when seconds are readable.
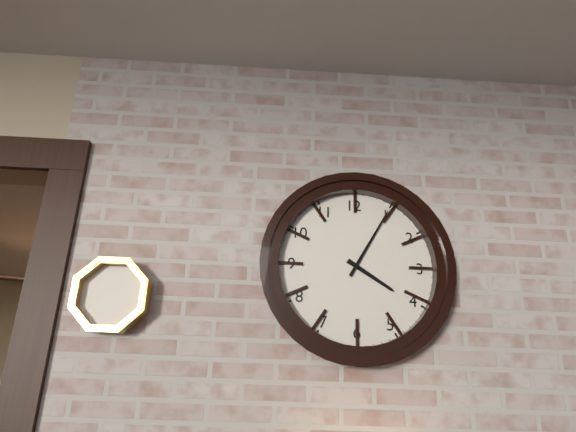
**4:05**
